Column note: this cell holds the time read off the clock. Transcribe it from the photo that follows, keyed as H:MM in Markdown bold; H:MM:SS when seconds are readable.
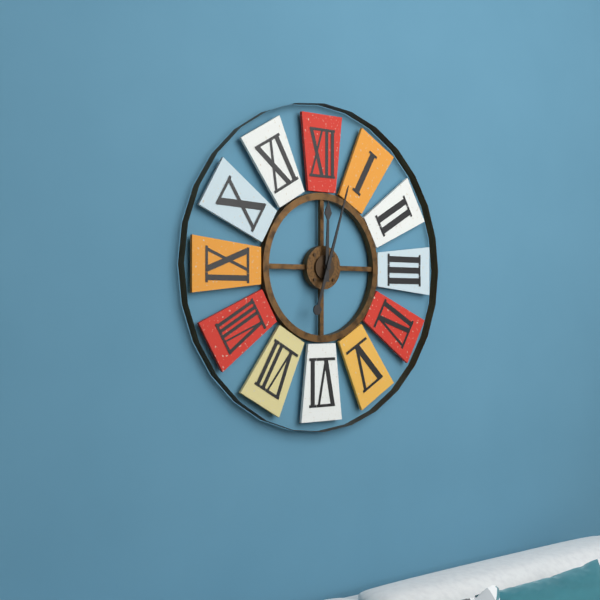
**12:03**
